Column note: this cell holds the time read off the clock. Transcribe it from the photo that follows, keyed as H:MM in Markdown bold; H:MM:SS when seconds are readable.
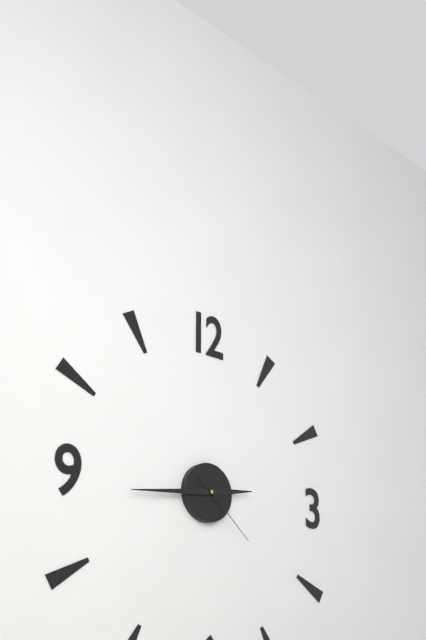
**2:44:22**
